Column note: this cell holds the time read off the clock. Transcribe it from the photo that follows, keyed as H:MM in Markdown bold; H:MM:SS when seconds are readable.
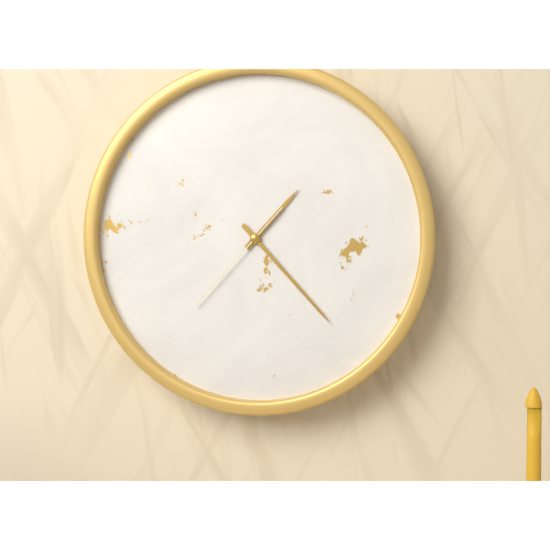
**1:23:37**
